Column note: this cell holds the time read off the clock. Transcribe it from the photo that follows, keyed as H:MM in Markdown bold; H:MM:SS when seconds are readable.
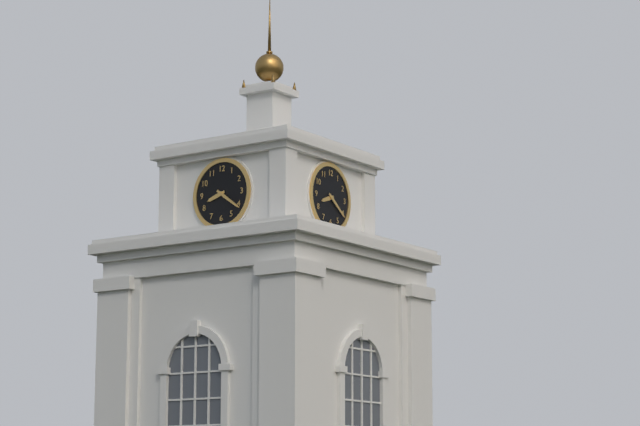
**8:21**
